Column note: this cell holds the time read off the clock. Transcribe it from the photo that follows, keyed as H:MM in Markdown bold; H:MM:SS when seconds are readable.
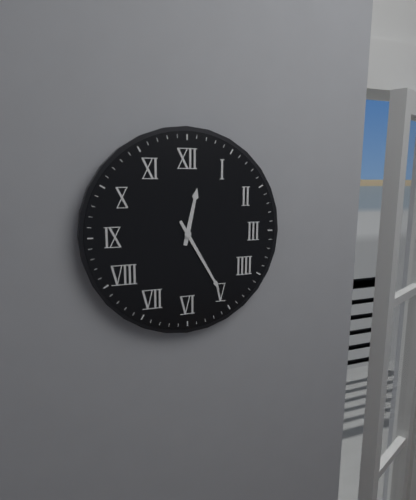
**12:25**
